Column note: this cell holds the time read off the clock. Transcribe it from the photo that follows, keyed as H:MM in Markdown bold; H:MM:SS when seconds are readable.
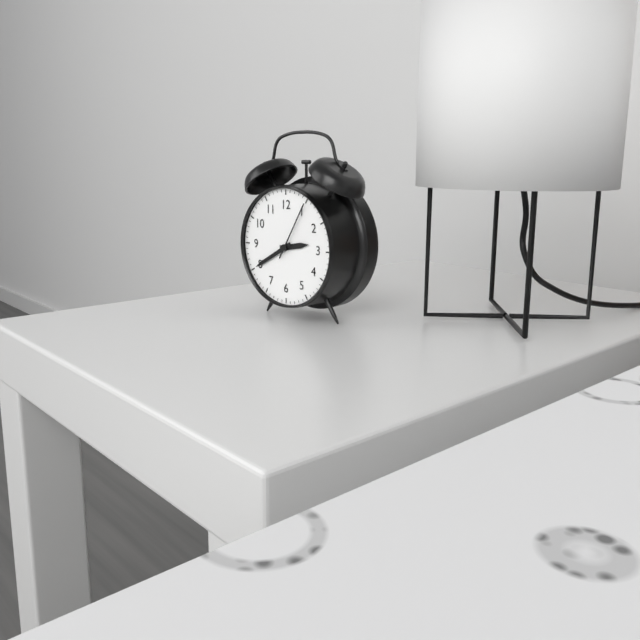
**2:40:05**
